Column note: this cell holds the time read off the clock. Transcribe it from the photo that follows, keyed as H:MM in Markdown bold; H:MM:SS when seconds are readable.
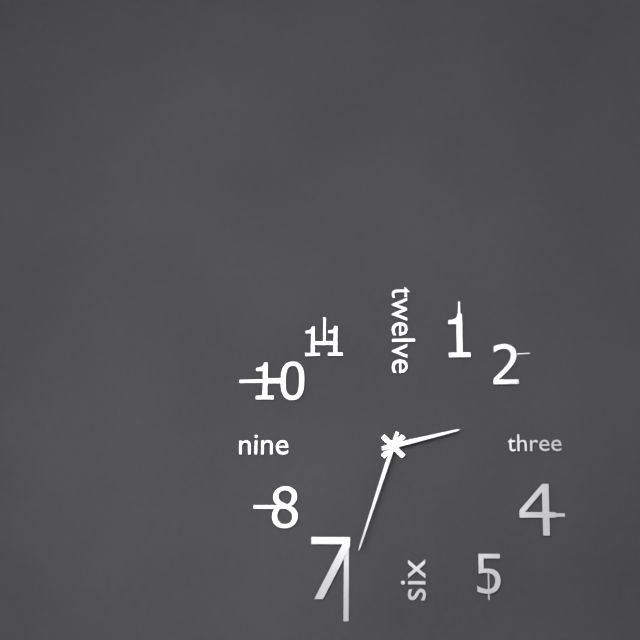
**2:33**
